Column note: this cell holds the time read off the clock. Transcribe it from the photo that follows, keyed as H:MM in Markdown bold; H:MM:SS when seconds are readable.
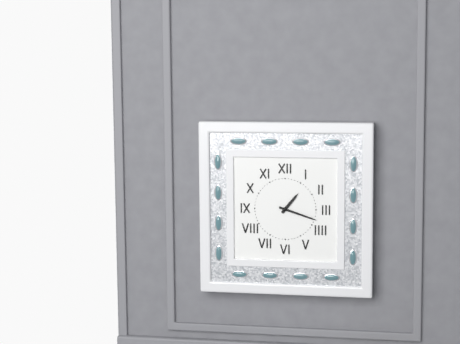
**1:18**
